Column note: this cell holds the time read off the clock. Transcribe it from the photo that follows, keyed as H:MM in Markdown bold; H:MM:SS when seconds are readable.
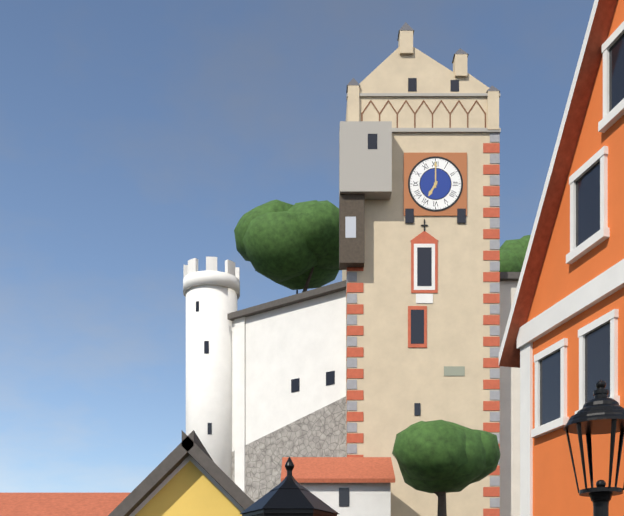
**7:00**
